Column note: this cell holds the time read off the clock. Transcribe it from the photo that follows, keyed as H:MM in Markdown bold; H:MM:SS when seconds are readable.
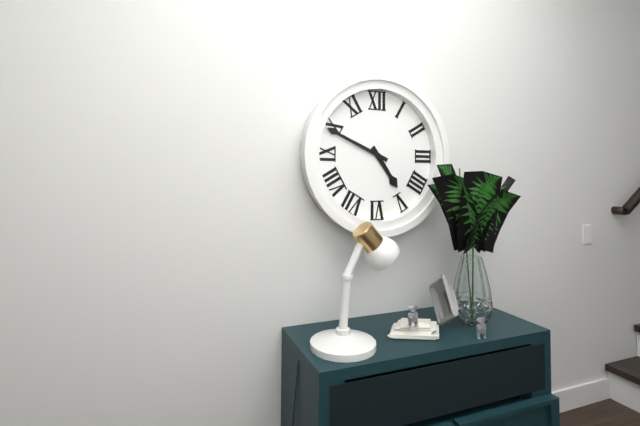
**4:49**
